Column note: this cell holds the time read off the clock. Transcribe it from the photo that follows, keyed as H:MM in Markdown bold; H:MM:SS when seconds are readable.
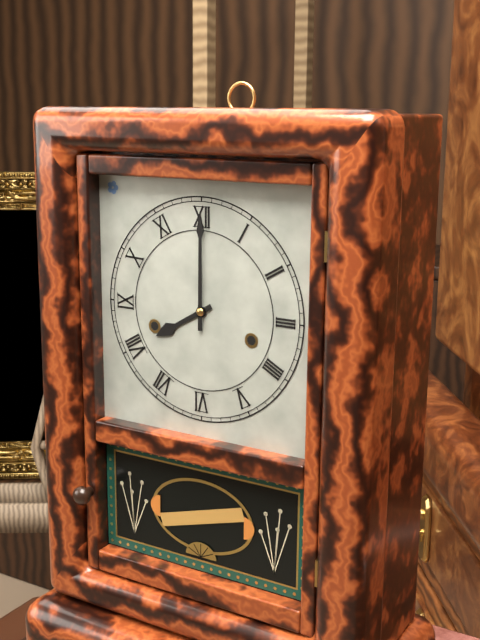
**8:00**
